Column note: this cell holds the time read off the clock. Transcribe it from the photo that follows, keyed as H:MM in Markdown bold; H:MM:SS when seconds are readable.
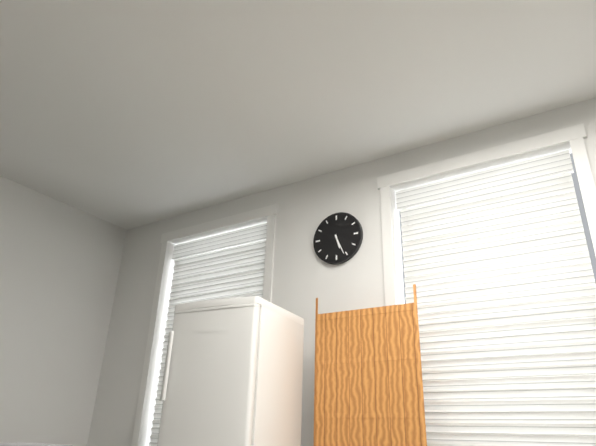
**5:26**
